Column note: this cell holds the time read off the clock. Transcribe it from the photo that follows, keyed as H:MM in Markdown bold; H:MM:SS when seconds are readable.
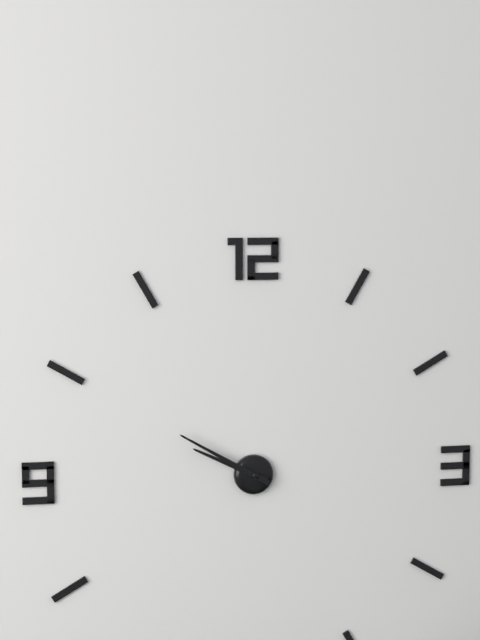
**9:50**
